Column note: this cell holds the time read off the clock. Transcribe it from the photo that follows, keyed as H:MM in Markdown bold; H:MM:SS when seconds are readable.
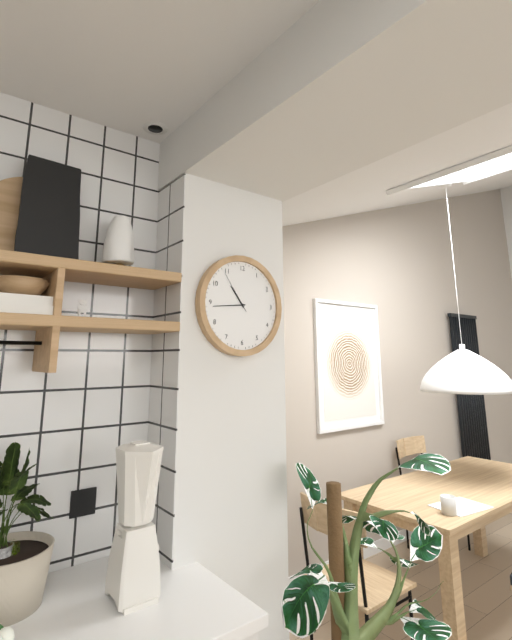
**10:44**
